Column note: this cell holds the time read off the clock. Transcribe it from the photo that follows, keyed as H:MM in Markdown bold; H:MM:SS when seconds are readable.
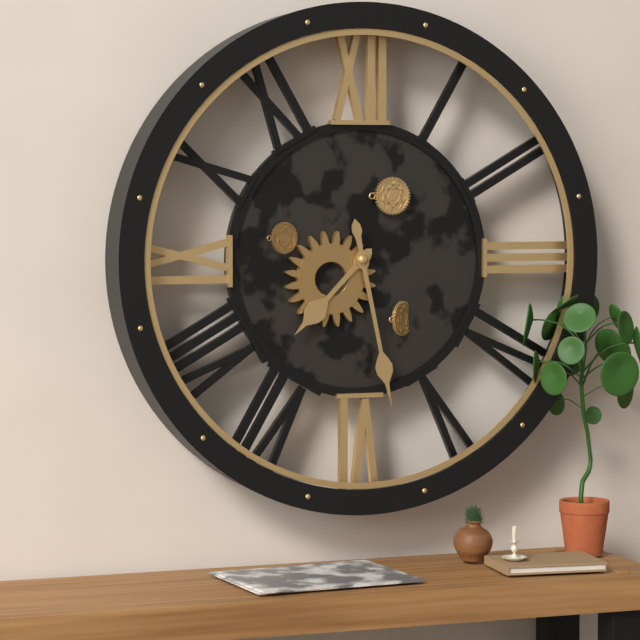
**7:28**
